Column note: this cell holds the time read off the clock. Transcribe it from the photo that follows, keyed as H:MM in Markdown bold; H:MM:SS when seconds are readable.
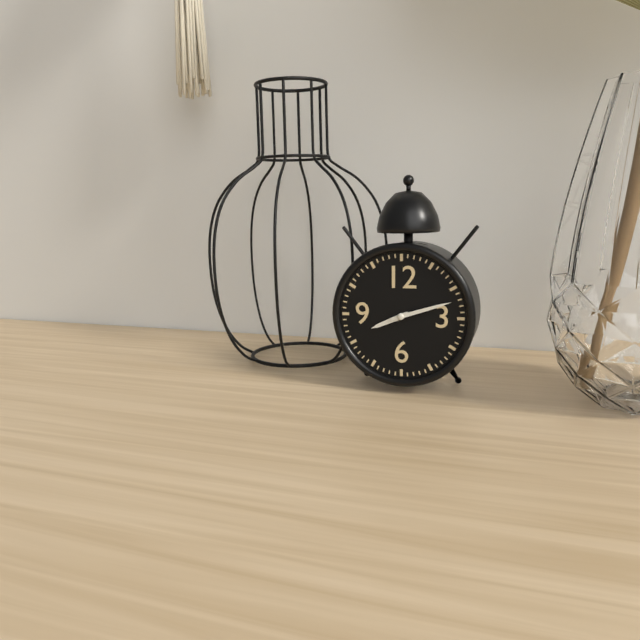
**8:12**
